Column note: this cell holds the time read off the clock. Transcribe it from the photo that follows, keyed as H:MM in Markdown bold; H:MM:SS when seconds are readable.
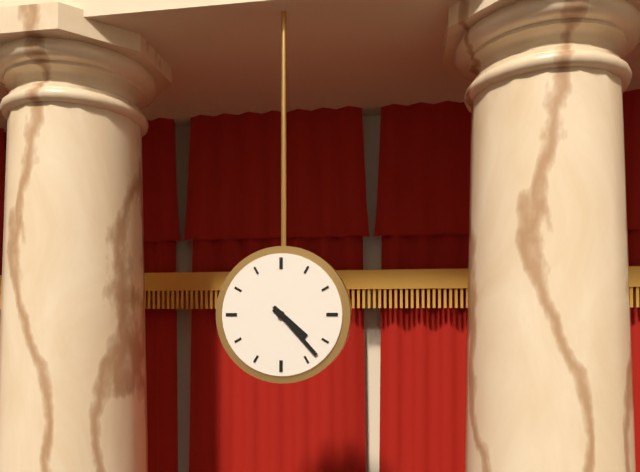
**4:23**
